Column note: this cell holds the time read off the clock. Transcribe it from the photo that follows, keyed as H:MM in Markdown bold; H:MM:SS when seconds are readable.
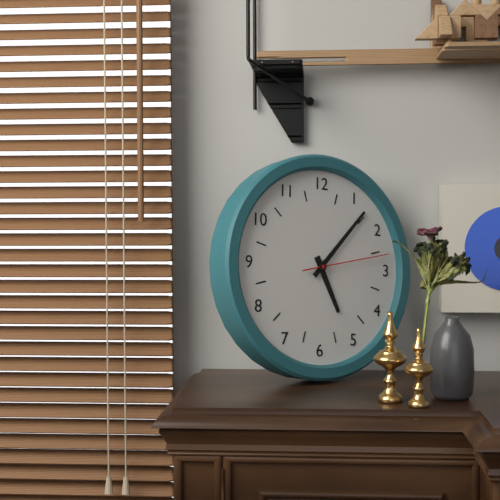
**5:07:13**
